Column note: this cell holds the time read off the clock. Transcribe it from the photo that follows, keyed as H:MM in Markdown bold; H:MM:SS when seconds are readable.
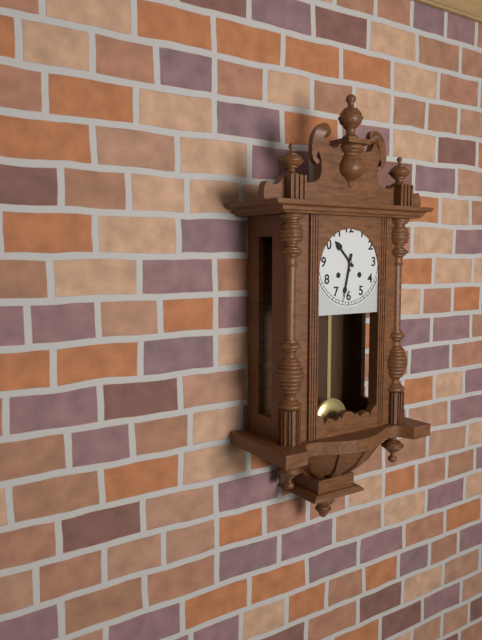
**10:32**
